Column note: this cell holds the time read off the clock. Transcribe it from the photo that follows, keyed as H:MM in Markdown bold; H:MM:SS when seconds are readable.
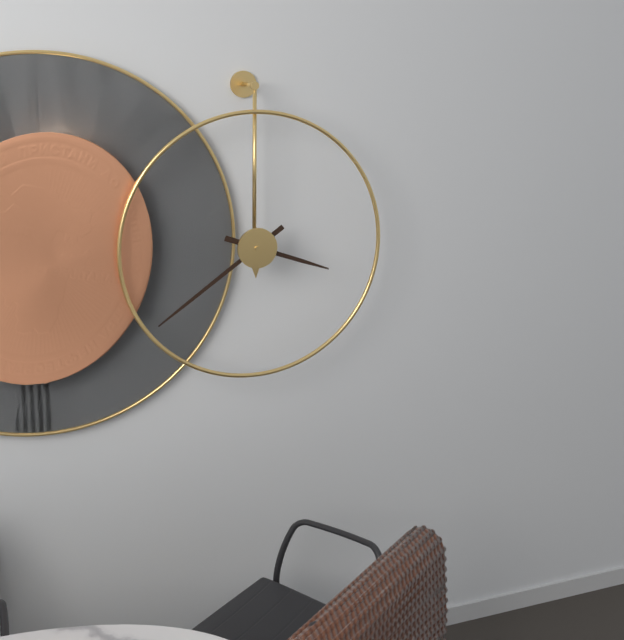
**3:39**
